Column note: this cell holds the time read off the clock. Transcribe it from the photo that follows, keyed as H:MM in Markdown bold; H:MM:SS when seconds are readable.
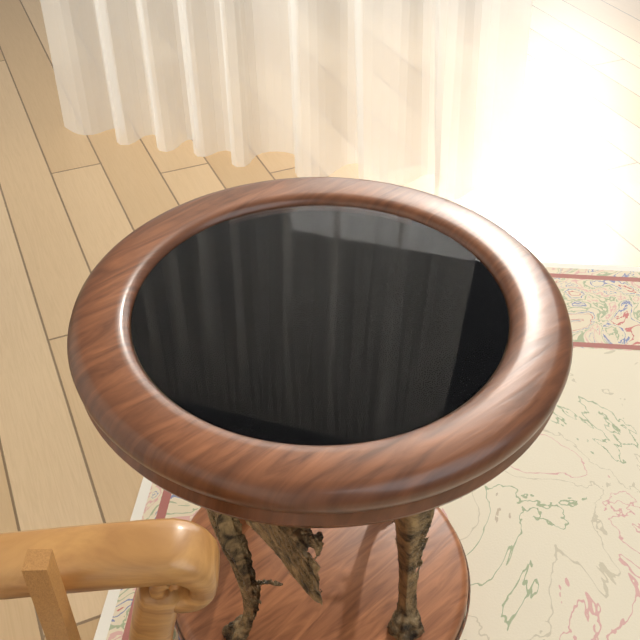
**7:51**
